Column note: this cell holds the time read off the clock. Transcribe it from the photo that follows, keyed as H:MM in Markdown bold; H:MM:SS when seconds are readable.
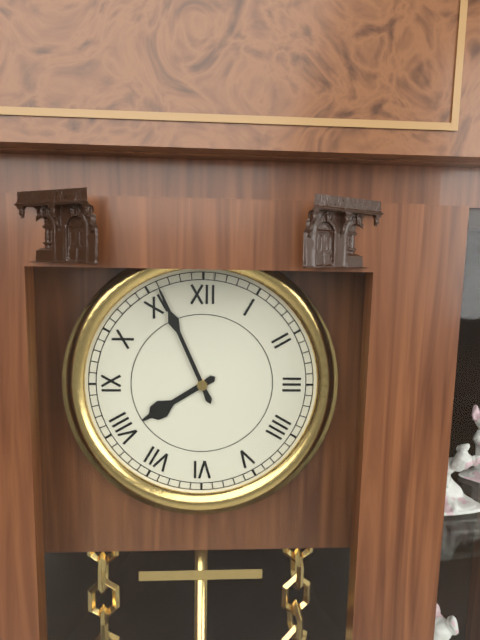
**7:56**
